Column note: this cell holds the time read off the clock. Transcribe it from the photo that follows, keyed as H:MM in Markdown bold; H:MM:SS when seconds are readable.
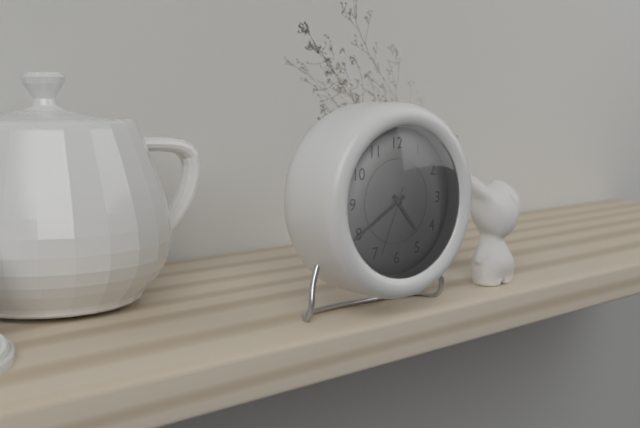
**4:40:34**
